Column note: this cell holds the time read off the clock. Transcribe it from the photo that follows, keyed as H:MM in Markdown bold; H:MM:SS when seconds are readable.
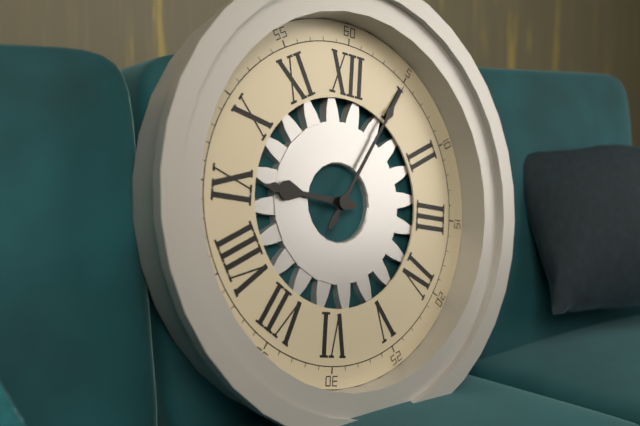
**9:05**
